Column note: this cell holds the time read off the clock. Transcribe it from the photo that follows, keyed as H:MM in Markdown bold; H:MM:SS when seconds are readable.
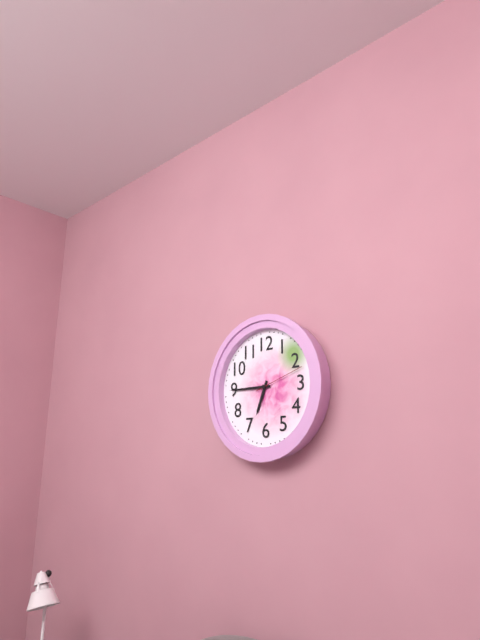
**6:45:12**
